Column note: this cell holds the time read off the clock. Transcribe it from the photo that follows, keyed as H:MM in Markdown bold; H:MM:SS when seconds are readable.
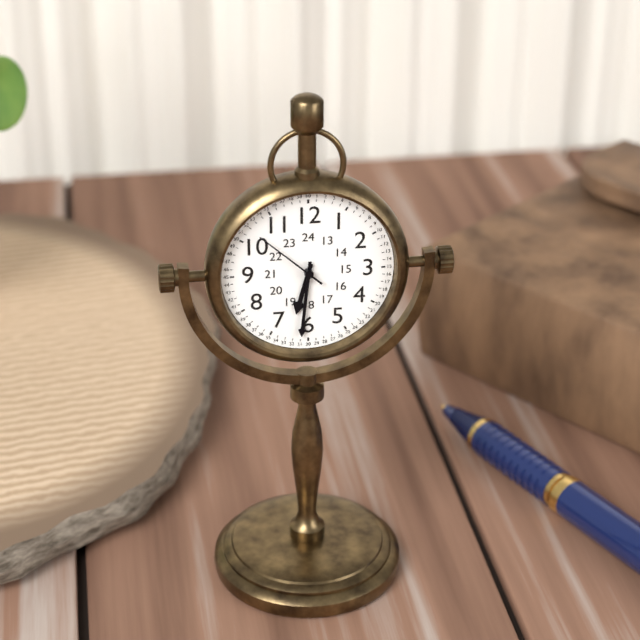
**6:31:52**
